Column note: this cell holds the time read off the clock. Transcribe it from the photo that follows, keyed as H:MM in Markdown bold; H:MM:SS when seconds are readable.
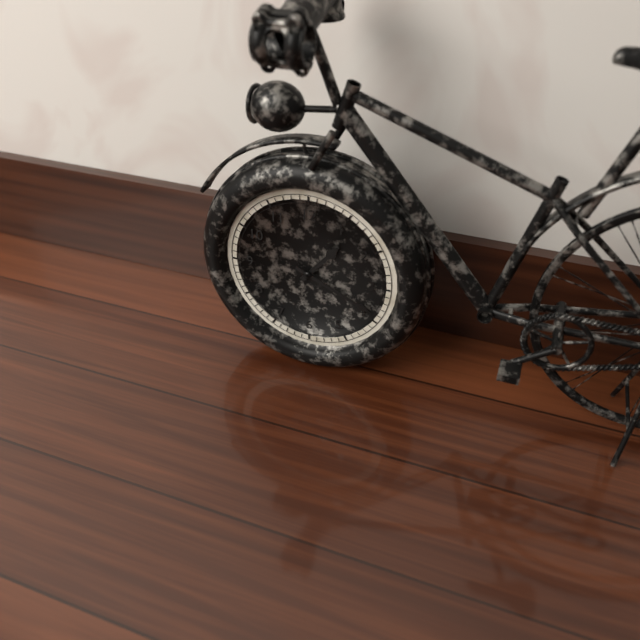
**1:19**
